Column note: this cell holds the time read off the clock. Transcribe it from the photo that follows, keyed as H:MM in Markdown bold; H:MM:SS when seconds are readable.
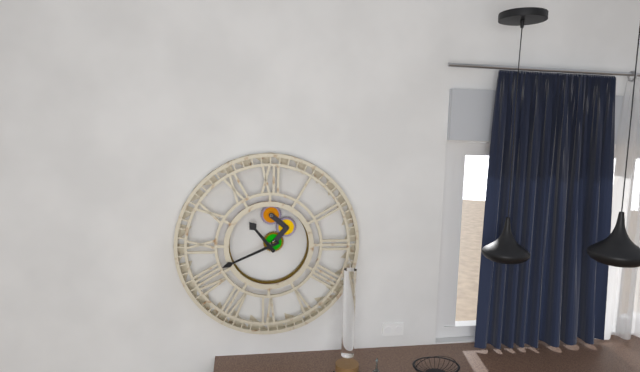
**10:41**
